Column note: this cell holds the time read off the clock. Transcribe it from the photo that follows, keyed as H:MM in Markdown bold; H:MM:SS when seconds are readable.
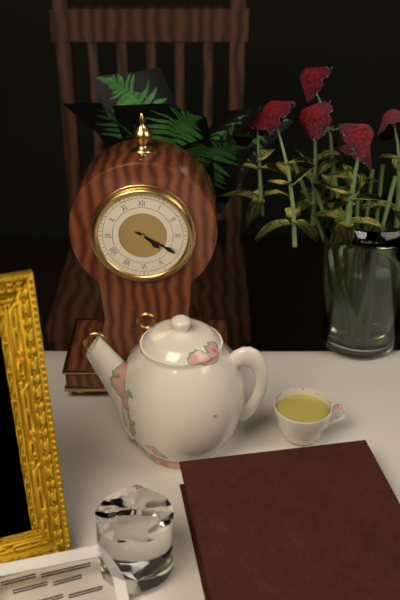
**4:20**
